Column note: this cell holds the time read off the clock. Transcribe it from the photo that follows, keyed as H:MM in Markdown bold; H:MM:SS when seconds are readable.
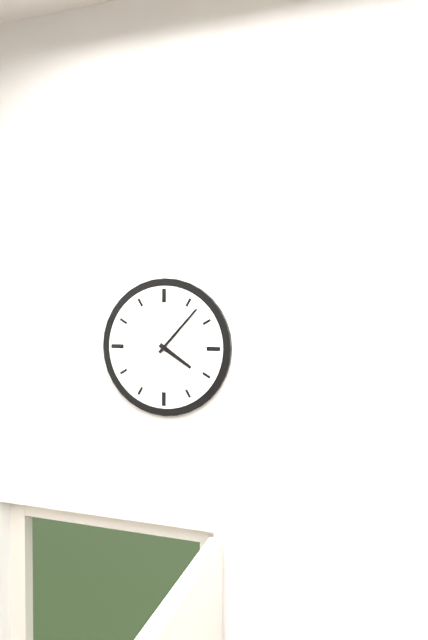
**4:07**
